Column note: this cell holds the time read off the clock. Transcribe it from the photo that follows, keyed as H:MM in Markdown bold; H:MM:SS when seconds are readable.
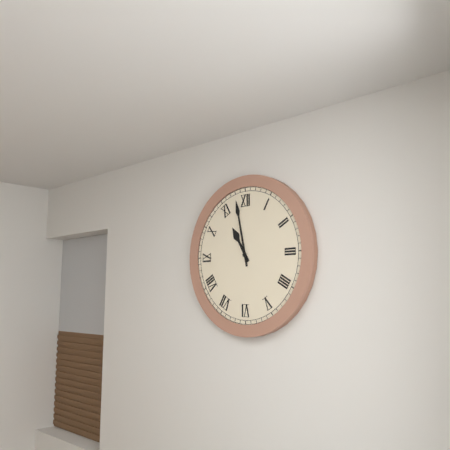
**10:58**
